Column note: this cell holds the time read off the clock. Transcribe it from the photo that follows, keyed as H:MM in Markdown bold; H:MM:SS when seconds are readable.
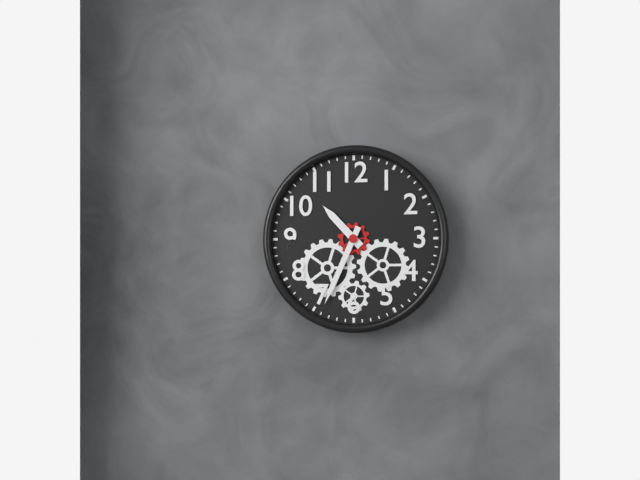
**10:34**
